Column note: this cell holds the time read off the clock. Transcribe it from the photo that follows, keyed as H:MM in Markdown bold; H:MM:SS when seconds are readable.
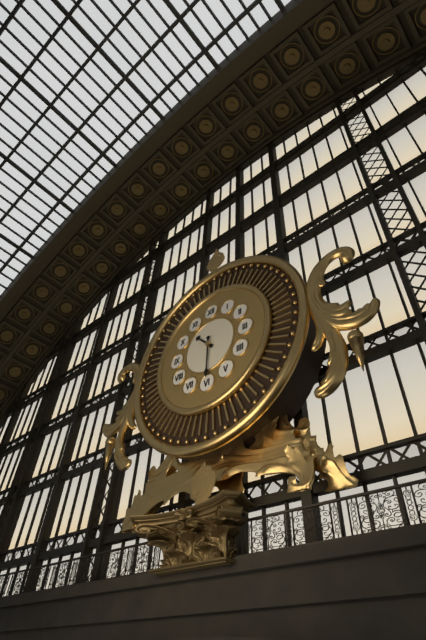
**10:30**
